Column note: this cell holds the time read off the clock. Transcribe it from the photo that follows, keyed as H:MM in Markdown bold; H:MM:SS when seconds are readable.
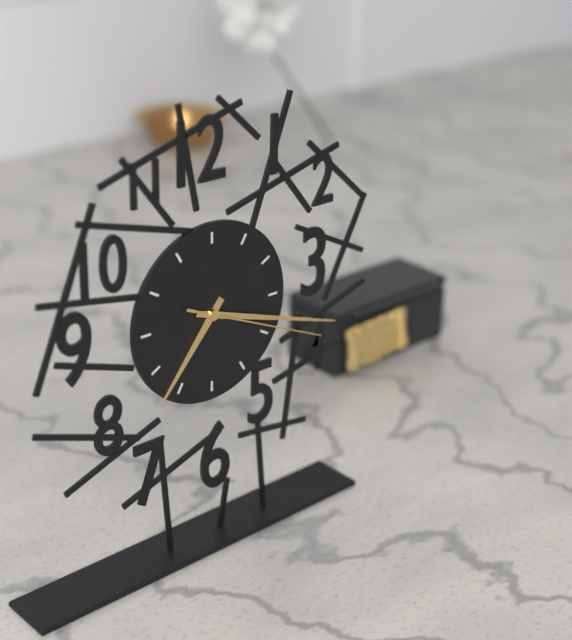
**7:18:19**
